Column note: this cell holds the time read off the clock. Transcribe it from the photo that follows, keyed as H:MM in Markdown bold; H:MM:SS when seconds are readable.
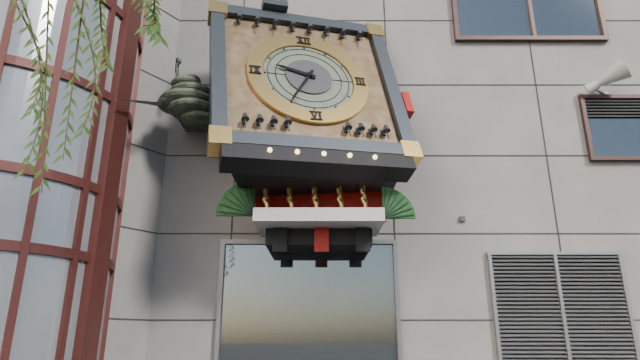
**9:35**
